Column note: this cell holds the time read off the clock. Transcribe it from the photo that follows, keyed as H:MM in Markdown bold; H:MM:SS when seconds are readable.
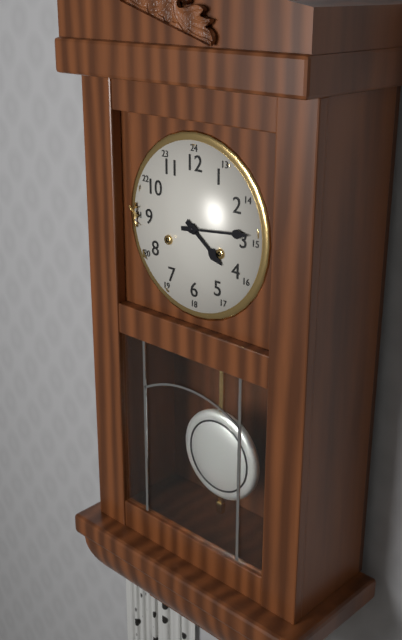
**4:14**
